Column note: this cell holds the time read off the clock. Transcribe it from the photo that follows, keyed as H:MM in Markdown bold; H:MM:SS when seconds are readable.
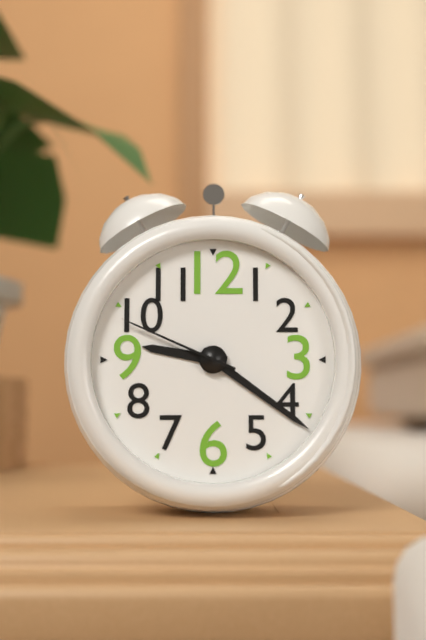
**9:21:49**
